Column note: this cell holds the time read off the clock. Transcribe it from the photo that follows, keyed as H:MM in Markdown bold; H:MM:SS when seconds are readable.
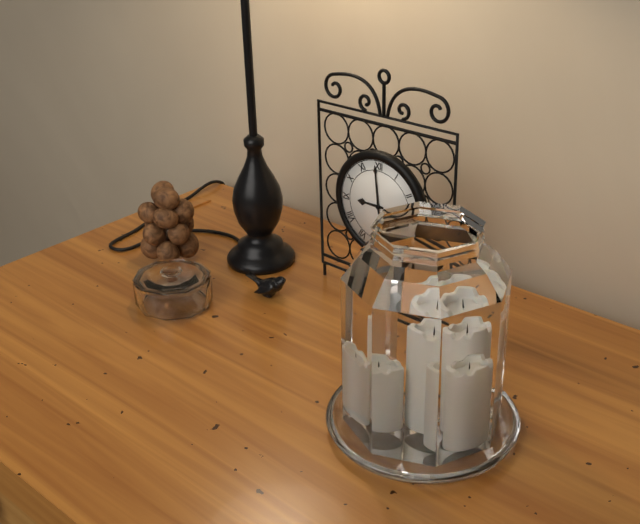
**8:59**
